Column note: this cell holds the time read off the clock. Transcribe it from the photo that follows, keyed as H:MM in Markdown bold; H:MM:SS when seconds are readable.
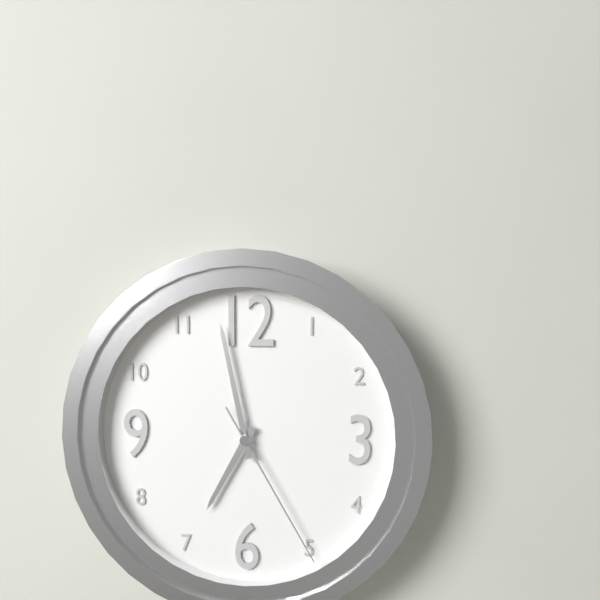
**6:58:25**
